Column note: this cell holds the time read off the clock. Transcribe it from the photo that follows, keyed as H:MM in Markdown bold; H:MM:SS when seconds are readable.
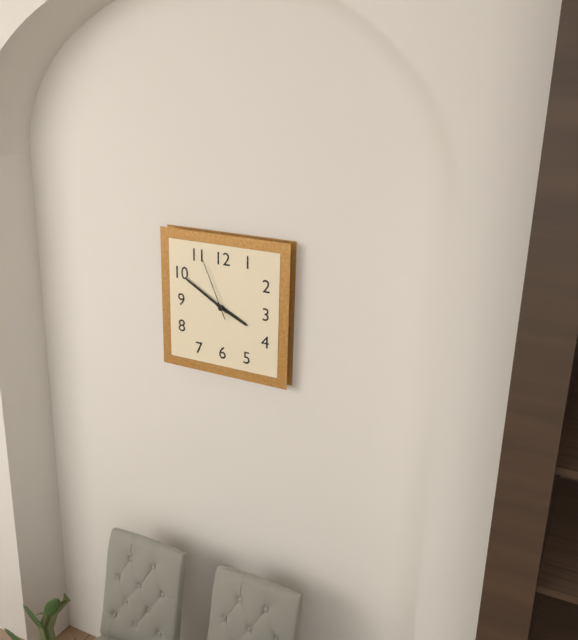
**3:50:56**
